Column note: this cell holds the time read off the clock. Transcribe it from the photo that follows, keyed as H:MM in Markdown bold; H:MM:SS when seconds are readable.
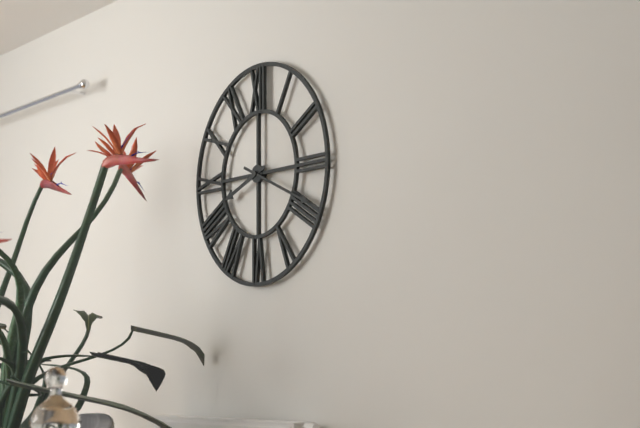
**8:19**
